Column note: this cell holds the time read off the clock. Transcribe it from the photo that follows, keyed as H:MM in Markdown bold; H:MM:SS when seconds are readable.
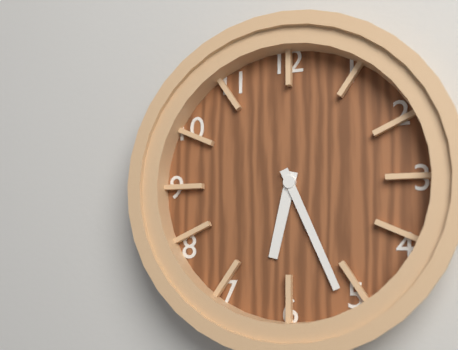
**6:26**
